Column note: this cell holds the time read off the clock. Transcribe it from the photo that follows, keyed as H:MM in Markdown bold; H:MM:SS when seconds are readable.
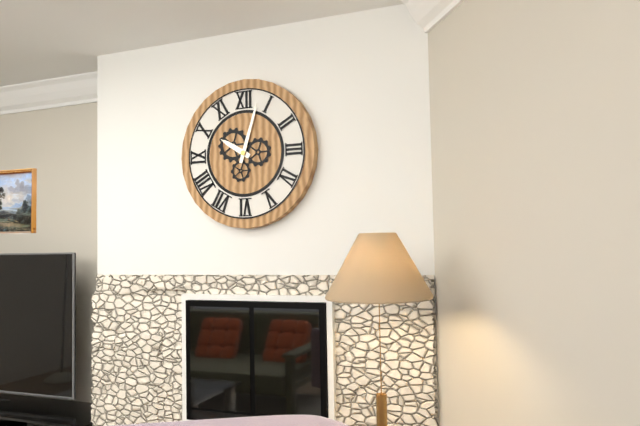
**10:03**
